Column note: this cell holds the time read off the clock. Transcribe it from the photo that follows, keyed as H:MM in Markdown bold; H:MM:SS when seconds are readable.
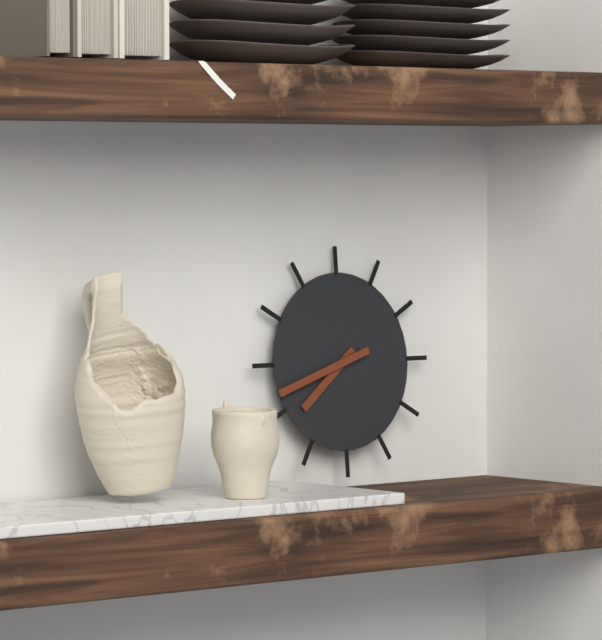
**7:42**
